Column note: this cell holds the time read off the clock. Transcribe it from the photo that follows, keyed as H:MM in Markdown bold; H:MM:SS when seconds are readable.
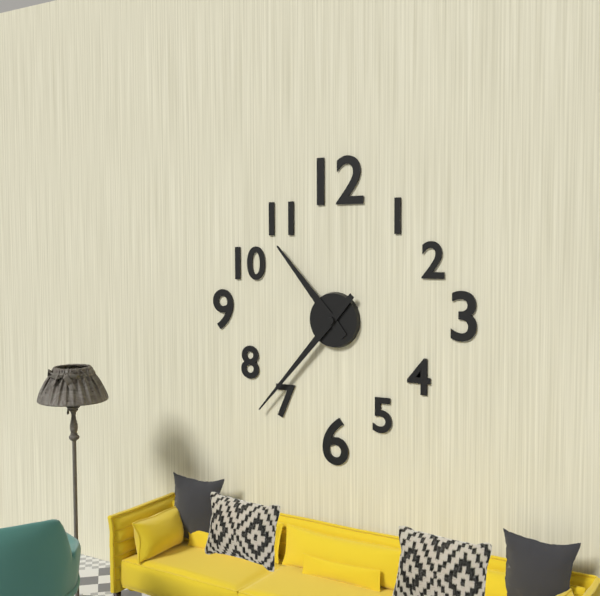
**10:37**
